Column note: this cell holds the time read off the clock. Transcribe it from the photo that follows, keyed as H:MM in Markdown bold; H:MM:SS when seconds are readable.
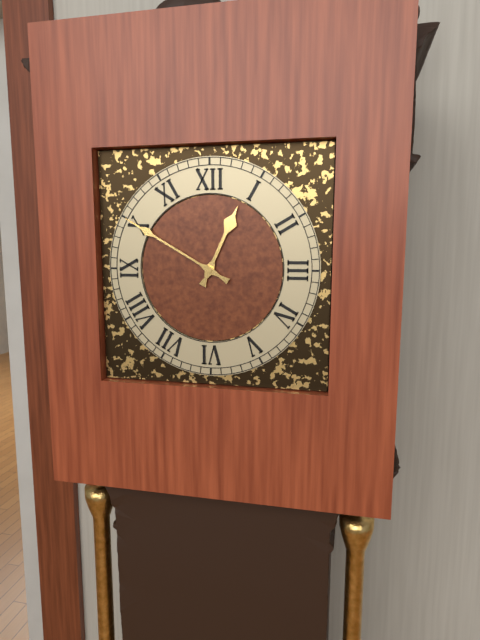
**12:50**
